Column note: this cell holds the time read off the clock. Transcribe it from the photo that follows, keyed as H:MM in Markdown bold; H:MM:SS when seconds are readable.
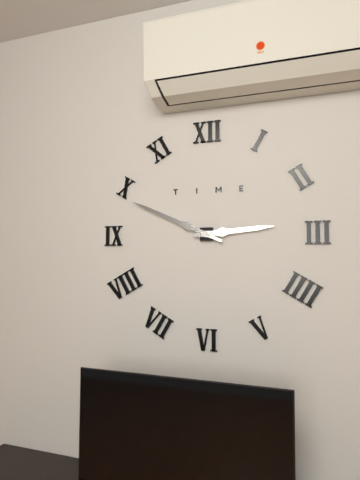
**2:49**
